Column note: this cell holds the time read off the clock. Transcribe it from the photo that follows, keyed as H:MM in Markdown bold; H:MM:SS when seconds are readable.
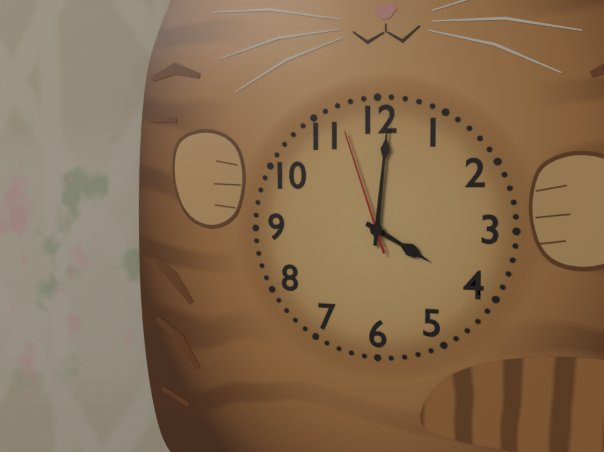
**4:01:57**
